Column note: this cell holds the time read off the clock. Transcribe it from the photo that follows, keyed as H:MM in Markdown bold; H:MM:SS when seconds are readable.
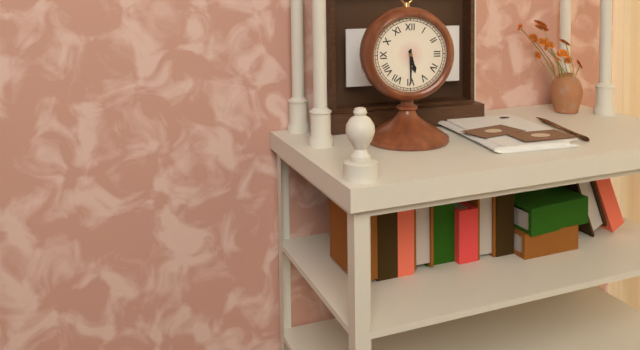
**5:30**
